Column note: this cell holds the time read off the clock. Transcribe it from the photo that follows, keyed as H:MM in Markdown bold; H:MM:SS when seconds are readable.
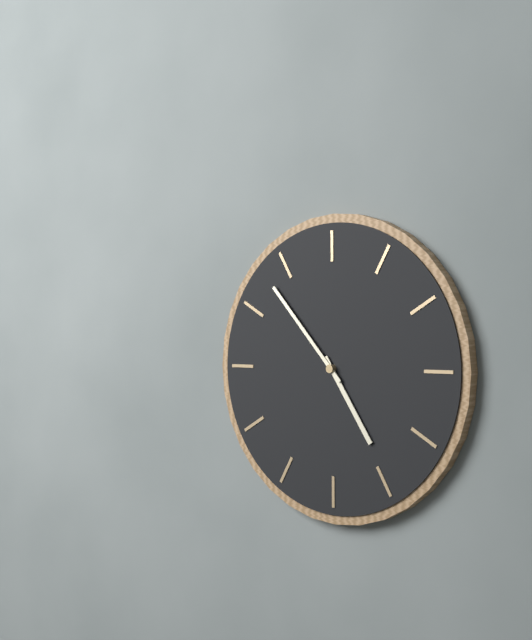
**4:53**
